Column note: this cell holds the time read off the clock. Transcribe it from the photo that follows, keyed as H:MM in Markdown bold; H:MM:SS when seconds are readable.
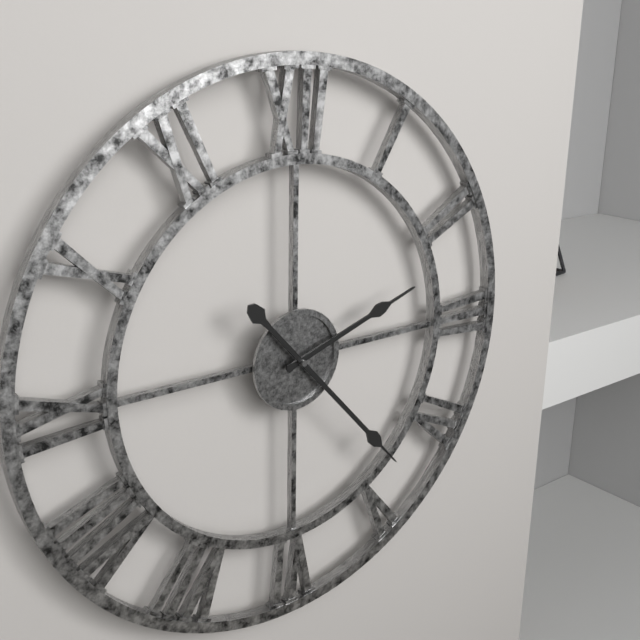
**2:23**
